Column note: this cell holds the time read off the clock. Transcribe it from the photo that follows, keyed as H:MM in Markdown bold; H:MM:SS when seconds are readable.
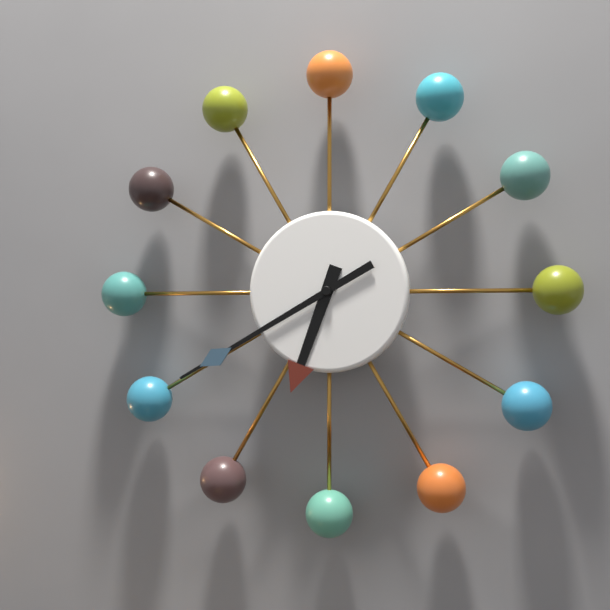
**6:40**
